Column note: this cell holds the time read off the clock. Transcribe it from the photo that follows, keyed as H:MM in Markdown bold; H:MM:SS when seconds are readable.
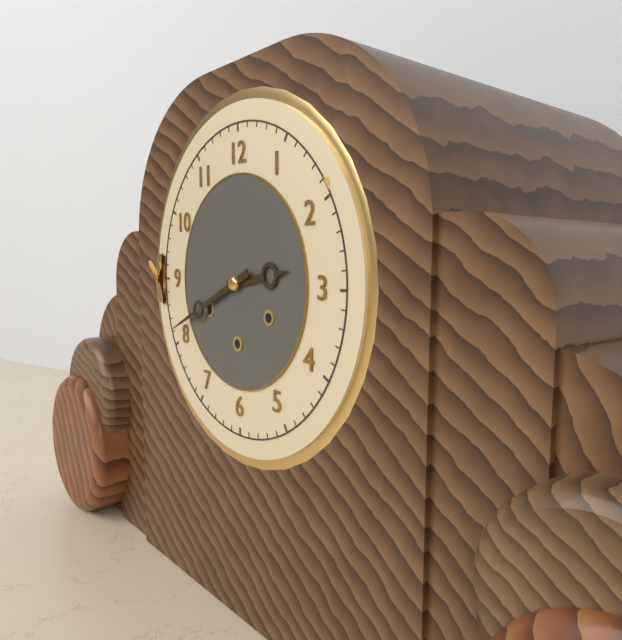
**2:41**
